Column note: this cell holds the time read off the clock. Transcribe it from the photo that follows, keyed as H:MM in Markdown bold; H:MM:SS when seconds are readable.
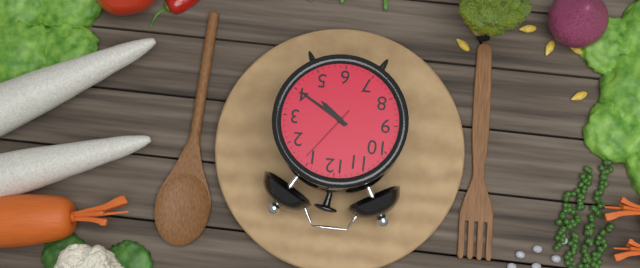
**4:20:06**
